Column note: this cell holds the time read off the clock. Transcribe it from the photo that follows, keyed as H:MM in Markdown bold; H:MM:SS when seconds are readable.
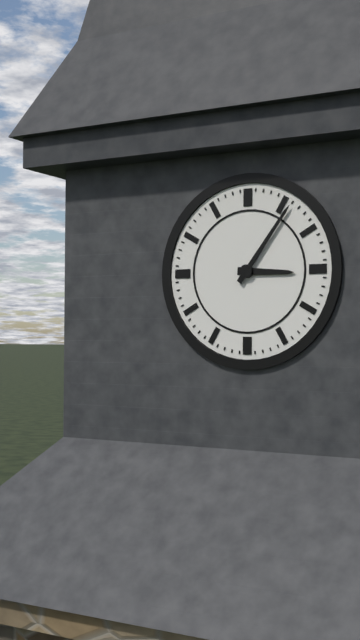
**3:06**
